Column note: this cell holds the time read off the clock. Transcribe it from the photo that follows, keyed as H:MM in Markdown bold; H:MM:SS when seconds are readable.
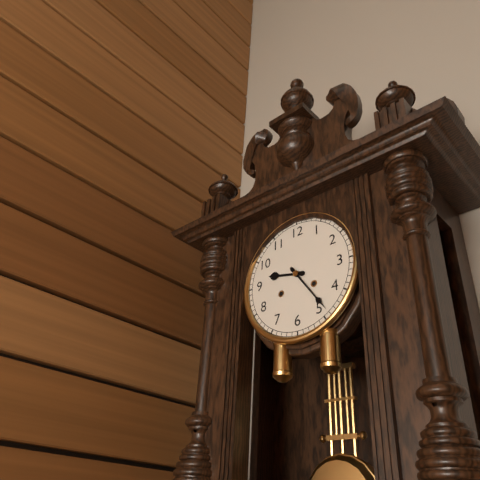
**9:24**
